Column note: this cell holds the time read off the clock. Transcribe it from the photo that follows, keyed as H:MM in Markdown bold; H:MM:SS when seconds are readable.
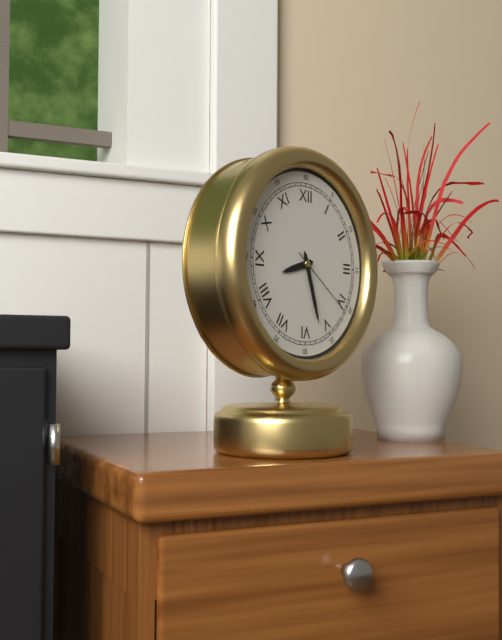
**8:27:21**
